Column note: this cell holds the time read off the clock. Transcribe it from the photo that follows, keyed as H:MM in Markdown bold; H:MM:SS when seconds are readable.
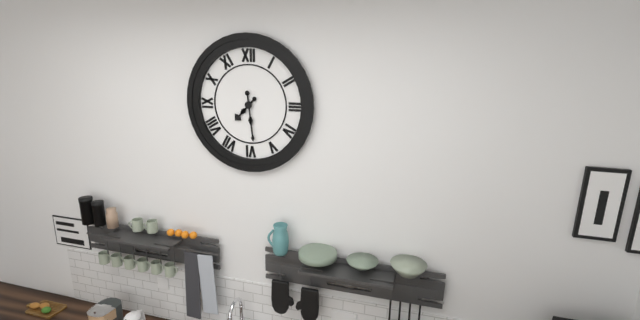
**7:29**
